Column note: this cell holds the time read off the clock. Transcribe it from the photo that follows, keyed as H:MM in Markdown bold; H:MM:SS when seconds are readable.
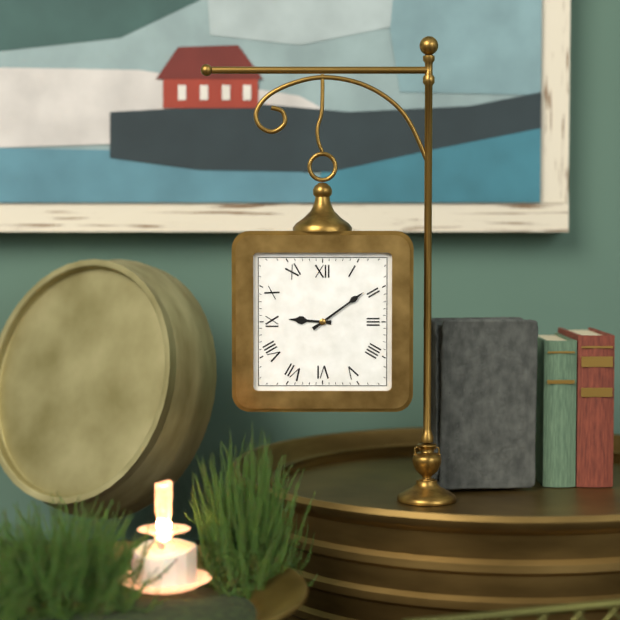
**9:09**
